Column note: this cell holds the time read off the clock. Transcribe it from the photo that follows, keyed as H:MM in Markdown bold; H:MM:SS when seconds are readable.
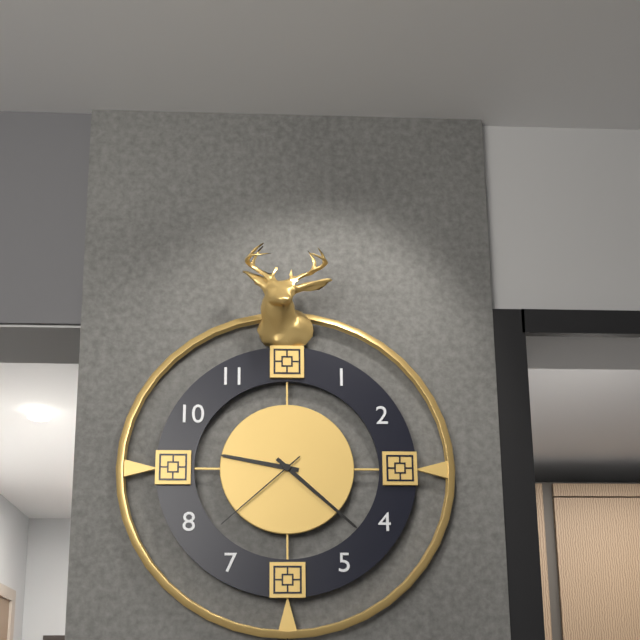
**9:22:38**
